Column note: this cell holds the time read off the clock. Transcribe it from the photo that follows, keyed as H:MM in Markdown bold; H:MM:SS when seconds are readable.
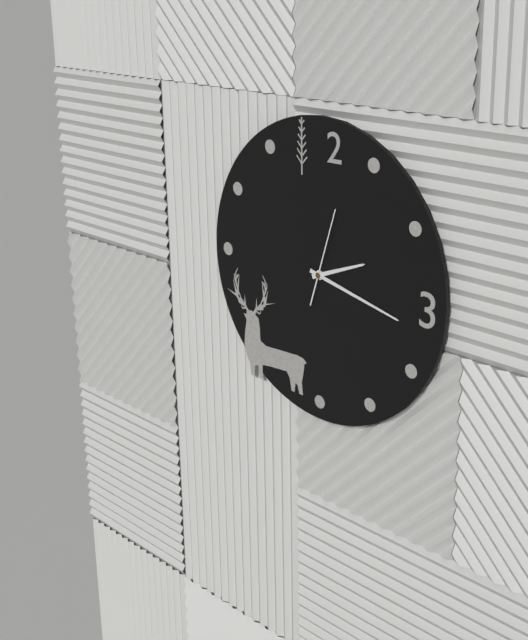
**2:17:03**
